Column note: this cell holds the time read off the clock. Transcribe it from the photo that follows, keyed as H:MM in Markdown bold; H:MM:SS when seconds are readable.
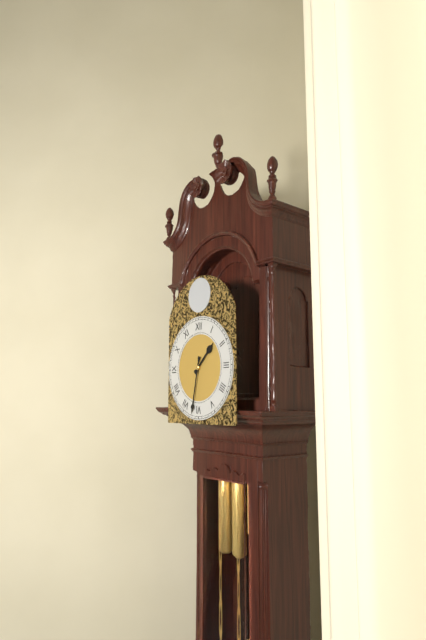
**1:32**
